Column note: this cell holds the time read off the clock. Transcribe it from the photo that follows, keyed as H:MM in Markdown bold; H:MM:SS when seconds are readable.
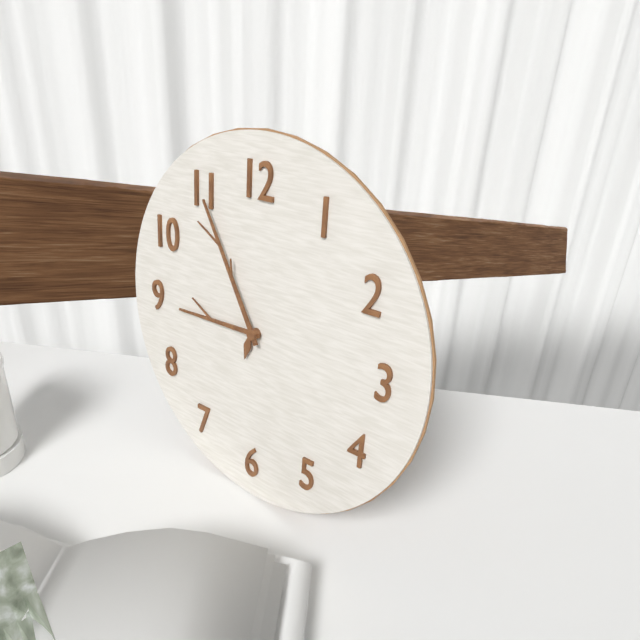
**8:55**
